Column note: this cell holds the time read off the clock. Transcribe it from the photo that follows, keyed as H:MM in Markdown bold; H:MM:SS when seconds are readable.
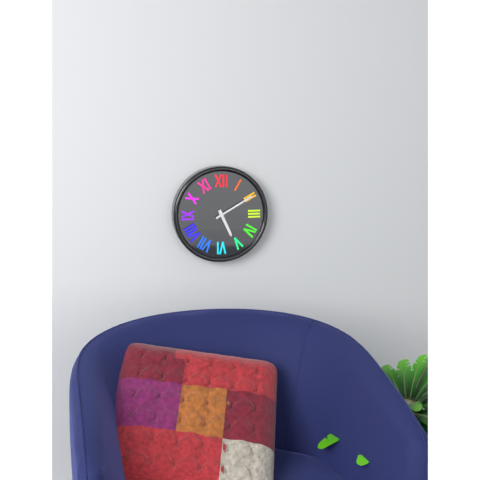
**5:10**
